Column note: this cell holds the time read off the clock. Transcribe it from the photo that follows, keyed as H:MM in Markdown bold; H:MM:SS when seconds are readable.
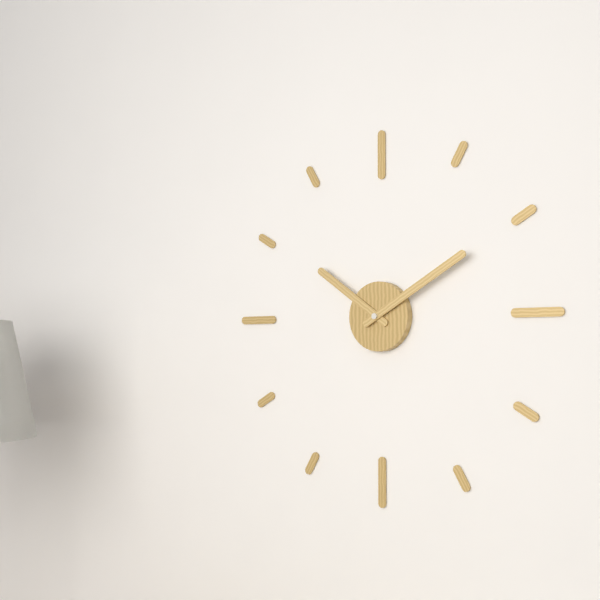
**10:10**
